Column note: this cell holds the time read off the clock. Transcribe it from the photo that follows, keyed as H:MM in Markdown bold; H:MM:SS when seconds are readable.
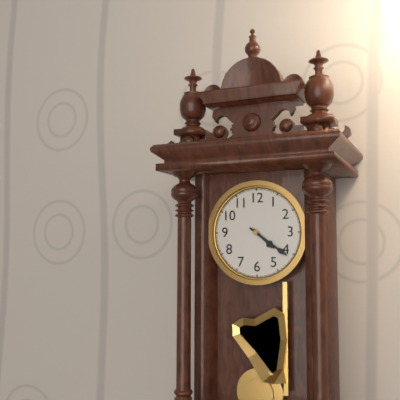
**4:21**
